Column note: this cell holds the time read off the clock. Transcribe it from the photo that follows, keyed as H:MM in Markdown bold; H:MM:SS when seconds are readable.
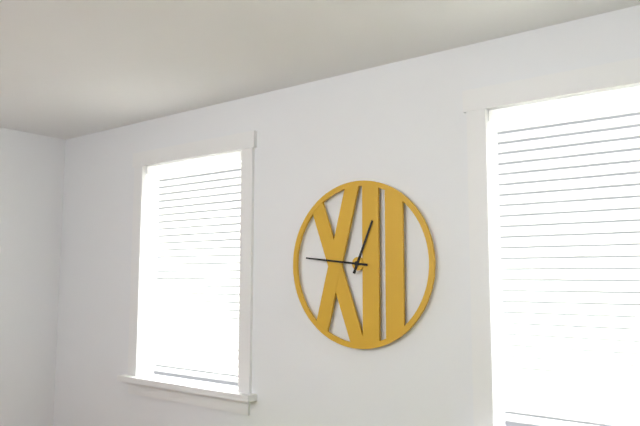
**12:46**
